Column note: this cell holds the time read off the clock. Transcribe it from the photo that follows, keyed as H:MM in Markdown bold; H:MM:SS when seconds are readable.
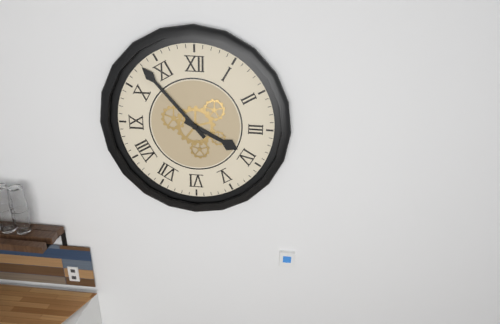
**3:53**
